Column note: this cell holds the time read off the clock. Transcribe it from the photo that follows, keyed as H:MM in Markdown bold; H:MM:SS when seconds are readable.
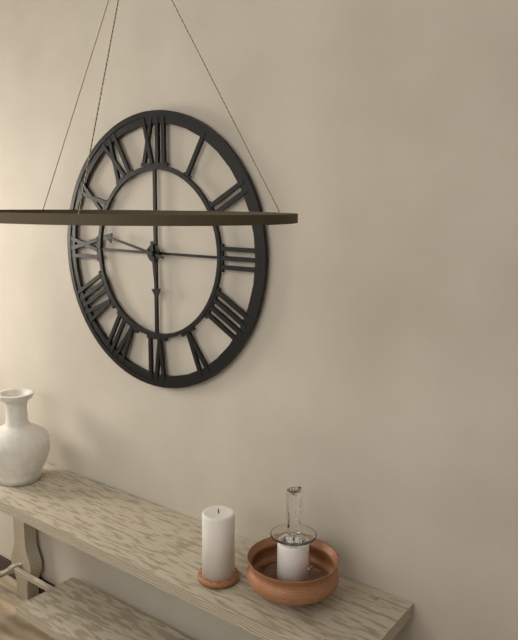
**5:47**
